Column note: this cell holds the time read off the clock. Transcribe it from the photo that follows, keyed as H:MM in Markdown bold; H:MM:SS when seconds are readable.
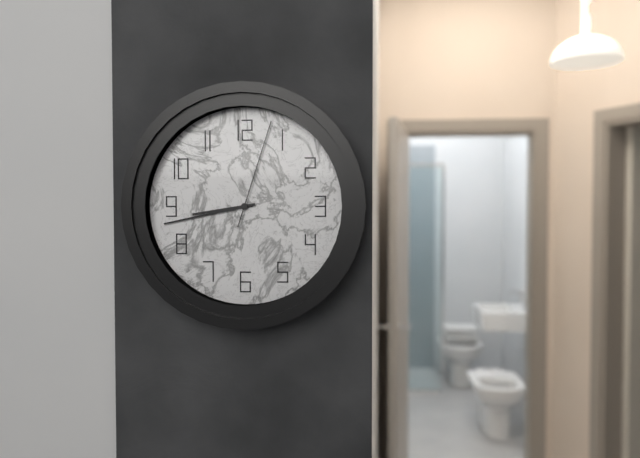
**8:43:03**
